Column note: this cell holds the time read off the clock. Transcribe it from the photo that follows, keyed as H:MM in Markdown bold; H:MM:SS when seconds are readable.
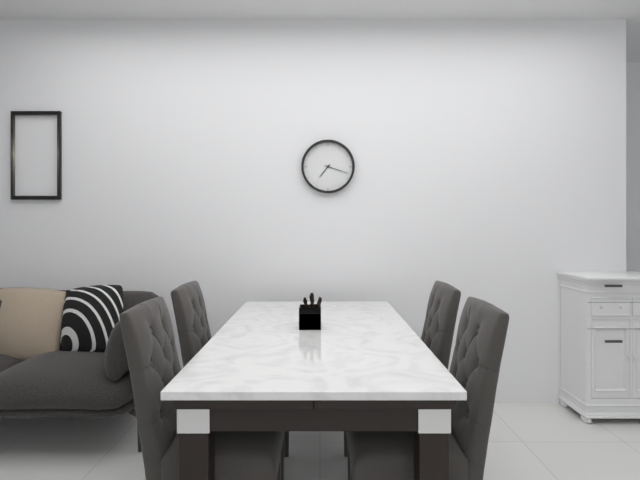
**7:18**
